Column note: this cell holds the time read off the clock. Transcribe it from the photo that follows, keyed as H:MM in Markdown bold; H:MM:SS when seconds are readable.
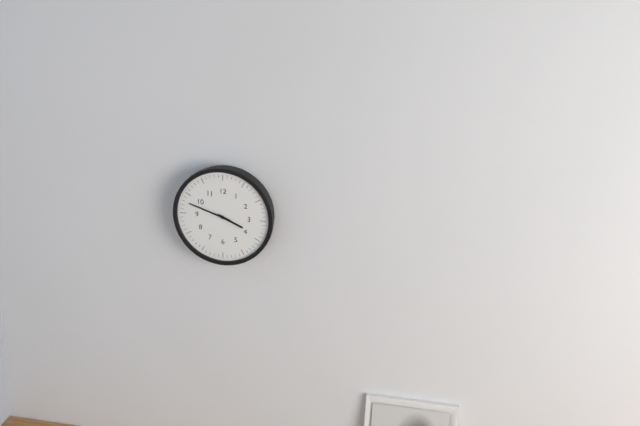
**3:48**
